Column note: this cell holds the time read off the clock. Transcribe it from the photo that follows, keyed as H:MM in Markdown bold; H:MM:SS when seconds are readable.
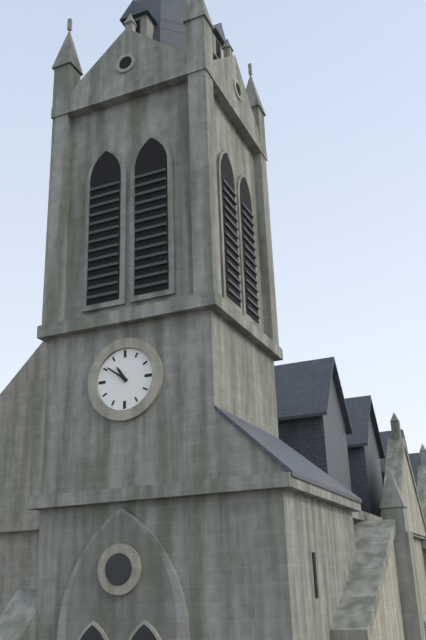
**10:51**
